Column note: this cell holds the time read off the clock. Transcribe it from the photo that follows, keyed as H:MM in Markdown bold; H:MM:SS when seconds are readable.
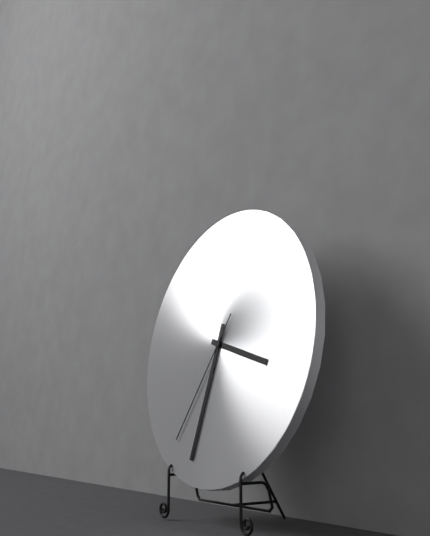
**3:32:35**
